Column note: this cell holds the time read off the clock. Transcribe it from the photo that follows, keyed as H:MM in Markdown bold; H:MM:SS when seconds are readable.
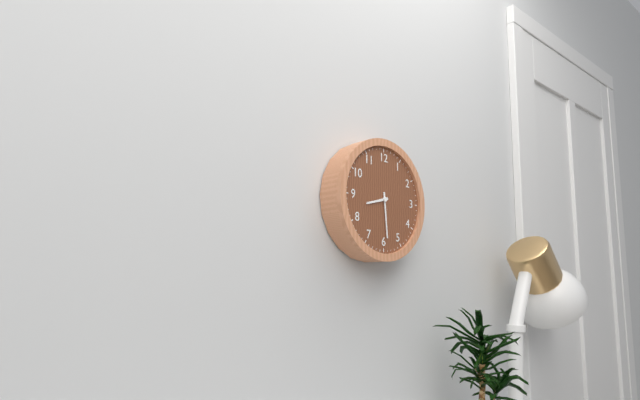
**8:29**
